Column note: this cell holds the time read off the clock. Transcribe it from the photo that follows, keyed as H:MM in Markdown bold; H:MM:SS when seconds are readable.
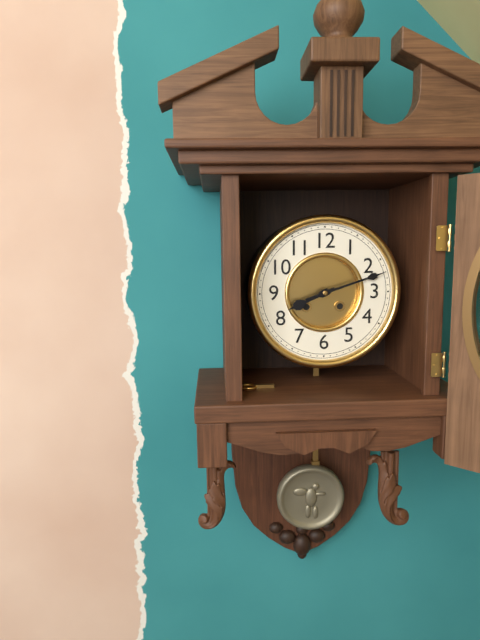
**8:12**
